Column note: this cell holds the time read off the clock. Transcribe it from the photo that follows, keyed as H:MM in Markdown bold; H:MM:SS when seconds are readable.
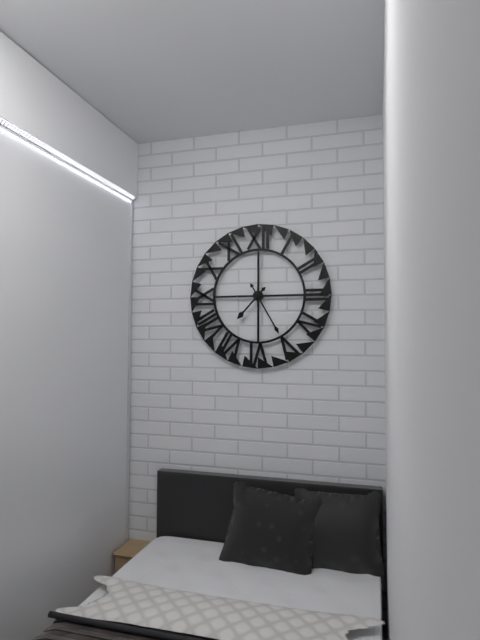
**7:25**
